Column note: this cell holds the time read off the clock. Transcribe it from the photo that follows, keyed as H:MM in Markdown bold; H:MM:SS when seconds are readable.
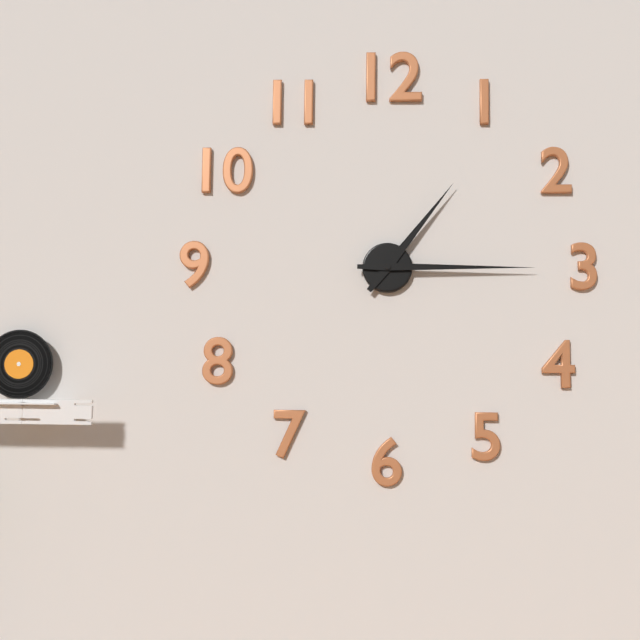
**1:15**
